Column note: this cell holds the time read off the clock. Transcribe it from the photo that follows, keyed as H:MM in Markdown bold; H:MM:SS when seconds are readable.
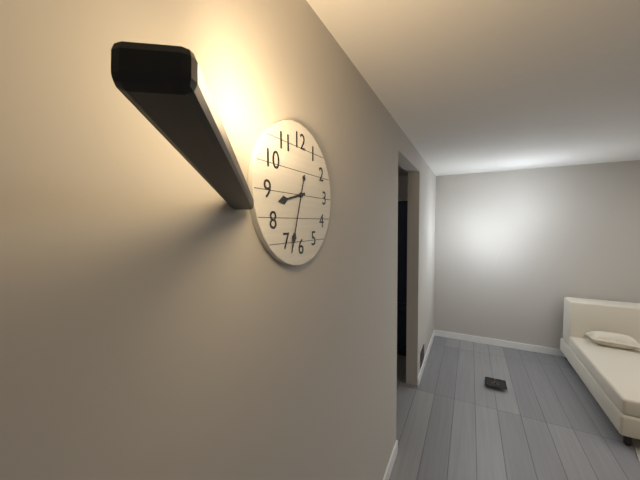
**8:33**
